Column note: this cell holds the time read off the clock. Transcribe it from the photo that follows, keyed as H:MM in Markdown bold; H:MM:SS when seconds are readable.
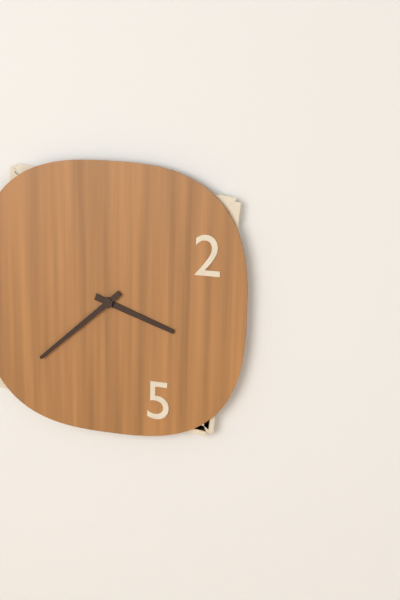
**3:38**
